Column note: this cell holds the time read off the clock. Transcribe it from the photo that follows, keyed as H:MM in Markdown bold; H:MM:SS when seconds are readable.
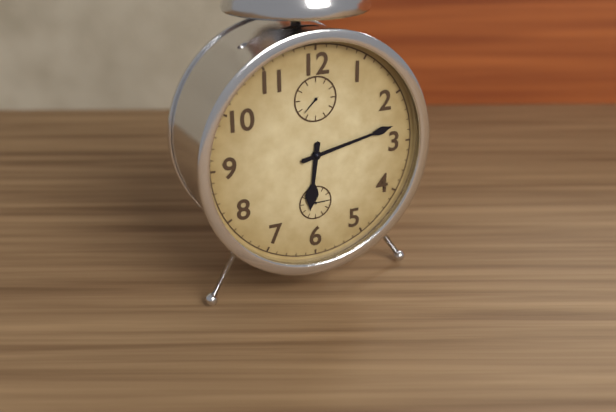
**6:13**
